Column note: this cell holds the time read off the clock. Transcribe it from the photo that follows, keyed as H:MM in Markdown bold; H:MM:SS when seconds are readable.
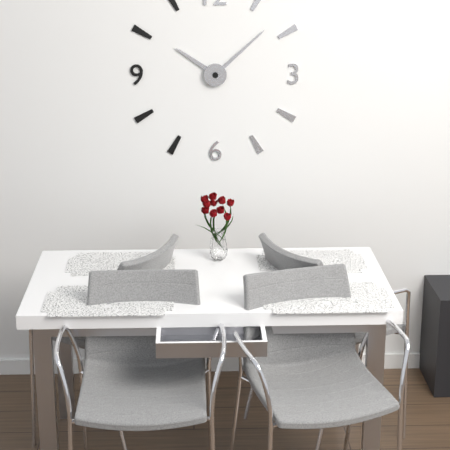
**10:08**
